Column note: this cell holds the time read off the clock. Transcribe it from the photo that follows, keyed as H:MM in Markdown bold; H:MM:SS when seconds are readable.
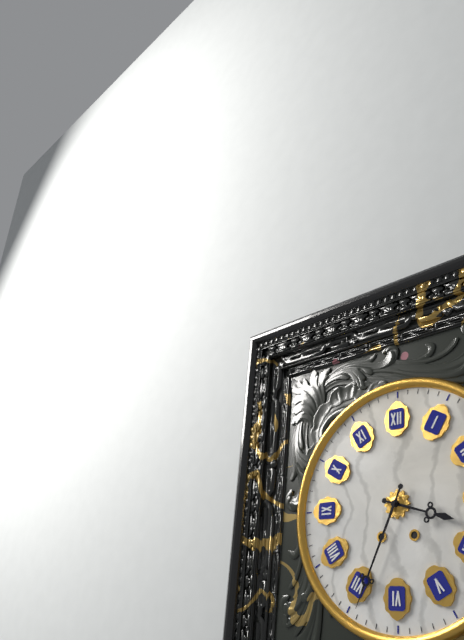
**3:34**
